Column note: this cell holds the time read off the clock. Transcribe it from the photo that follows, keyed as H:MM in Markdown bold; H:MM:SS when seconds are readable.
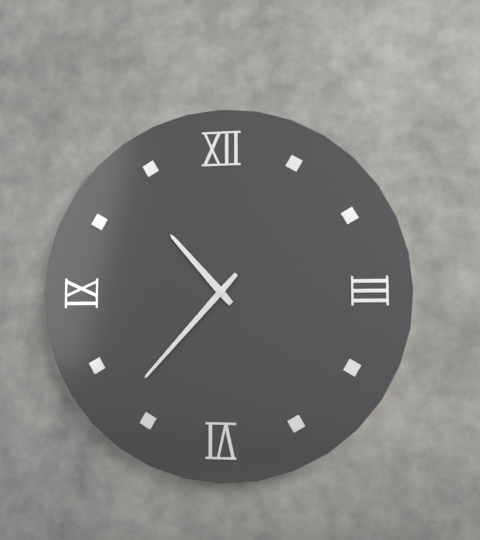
**10:37**
